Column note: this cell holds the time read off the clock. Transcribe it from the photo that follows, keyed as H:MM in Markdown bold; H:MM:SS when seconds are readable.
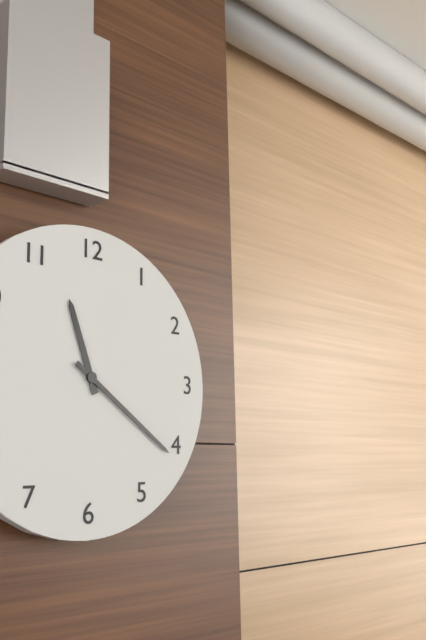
**11:21**
